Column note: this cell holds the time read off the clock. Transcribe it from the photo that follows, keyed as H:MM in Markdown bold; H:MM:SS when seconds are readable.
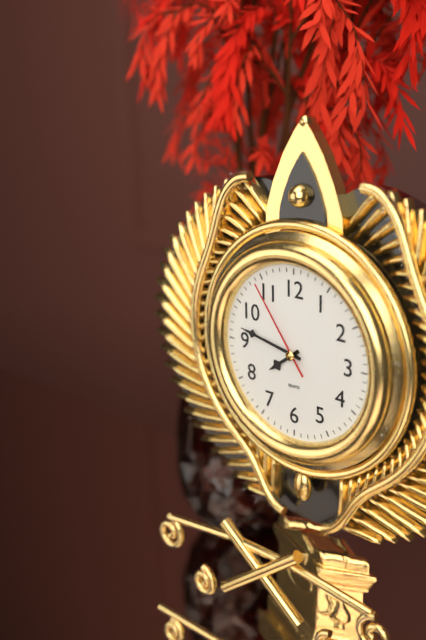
**7:47:54**
